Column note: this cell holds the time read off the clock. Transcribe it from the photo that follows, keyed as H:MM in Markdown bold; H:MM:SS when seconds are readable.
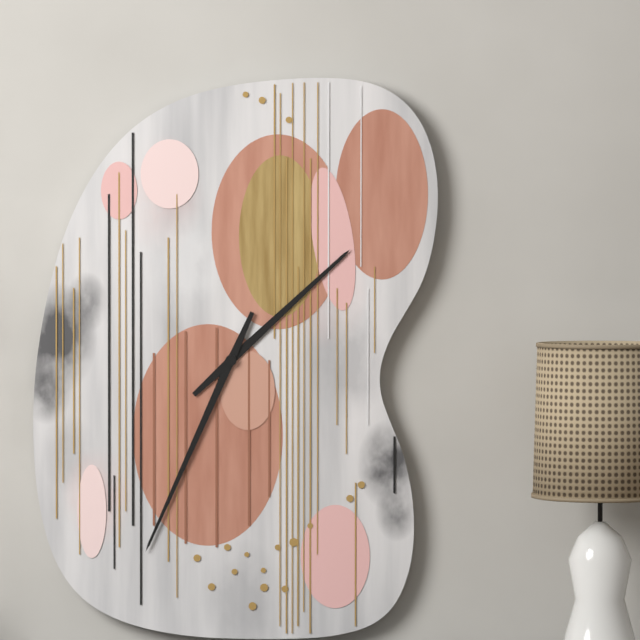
**1:34**
